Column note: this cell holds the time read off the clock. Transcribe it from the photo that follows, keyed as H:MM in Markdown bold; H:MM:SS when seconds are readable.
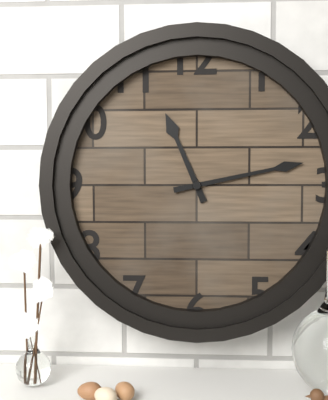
**11:13**
